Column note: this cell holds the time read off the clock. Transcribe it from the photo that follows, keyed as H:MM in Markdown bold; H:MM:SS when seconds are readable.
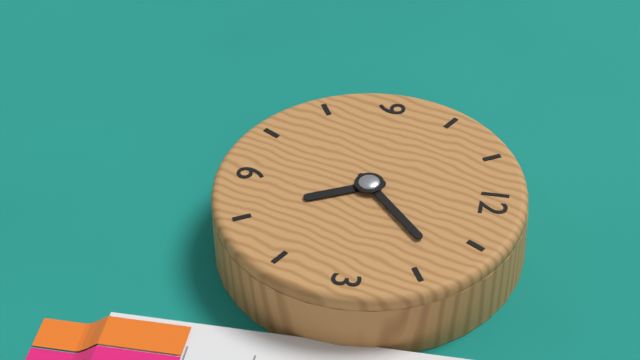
**5:08**
